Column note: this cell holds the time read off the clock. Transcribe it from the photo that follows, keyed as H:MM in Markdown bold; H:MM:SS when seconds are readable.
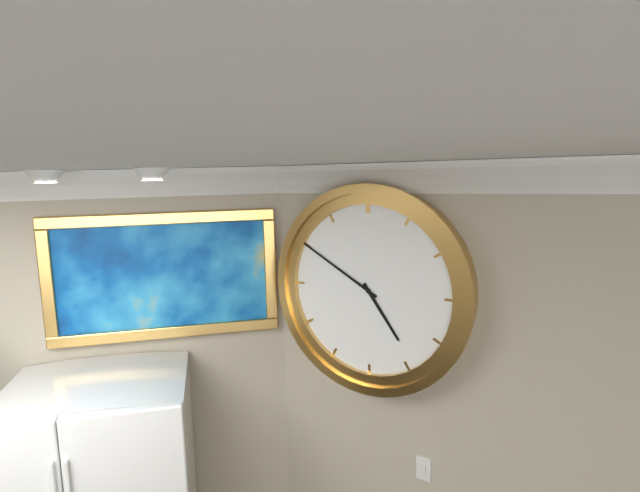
**4:50**
